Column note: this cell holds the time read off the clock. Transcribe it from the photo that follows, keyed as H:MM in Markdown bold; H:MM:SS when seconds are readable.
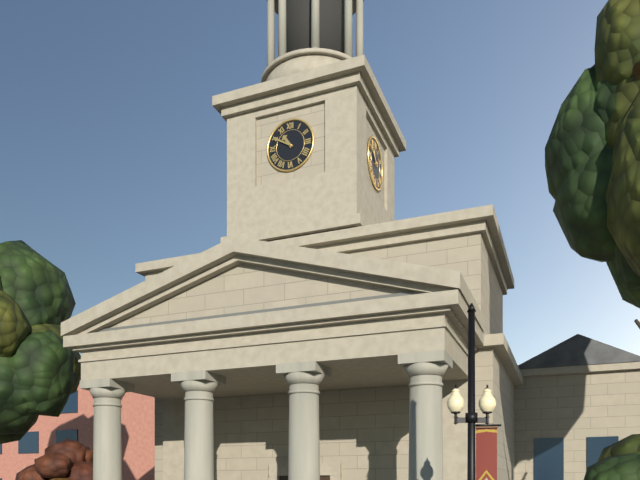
**10:50**
